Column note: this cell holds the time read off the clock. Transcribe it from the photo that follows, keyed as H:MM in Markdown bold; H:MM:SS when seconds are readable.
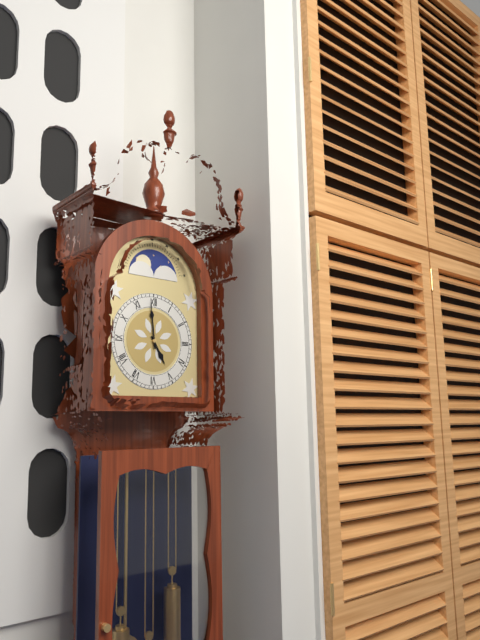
**4:59**
